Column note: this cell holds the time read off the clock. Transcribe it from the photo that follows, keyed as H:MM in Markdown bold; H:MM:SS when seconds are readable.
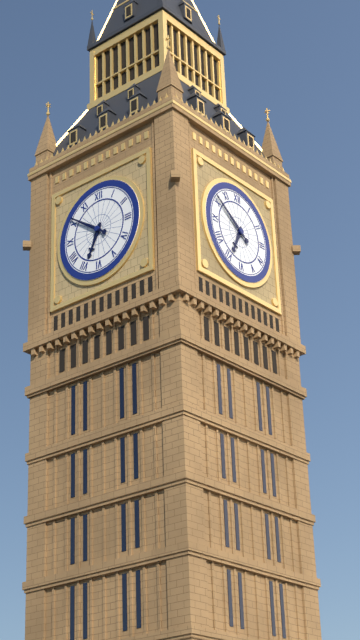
**6:51**
